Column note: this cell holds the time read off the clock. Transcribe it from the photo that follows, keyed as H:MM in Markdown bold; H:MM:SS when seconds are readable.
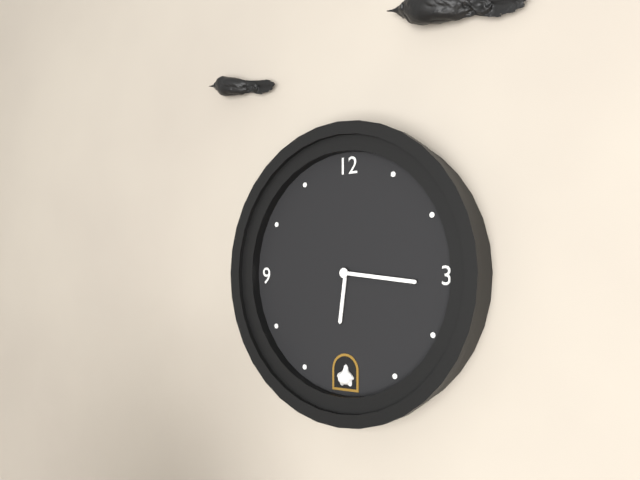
**6:16**
